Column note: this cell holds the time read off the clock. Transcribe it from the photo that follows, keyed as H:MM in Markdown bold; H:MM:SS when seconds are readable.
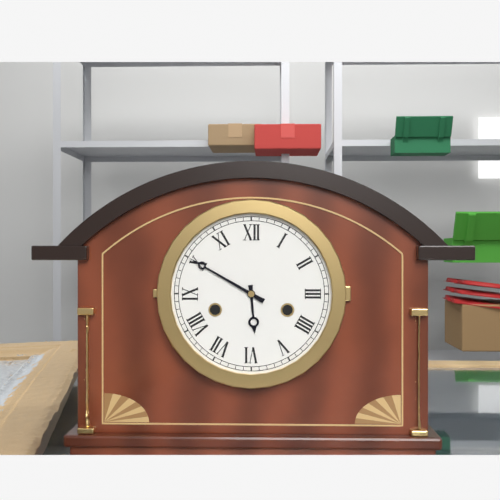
**5:50**
